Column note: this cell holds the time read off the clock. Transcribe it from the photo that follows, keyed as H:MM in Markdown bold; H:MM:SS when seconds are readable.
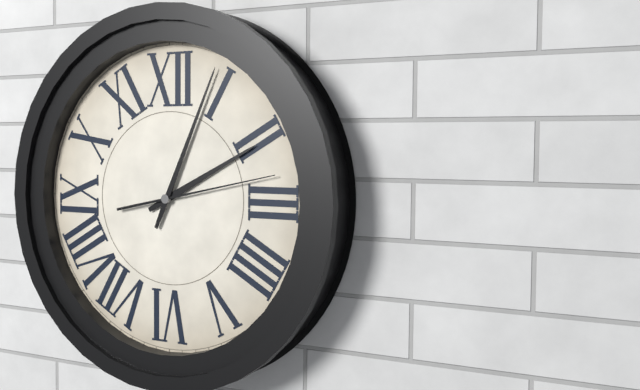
**2:04:13**
